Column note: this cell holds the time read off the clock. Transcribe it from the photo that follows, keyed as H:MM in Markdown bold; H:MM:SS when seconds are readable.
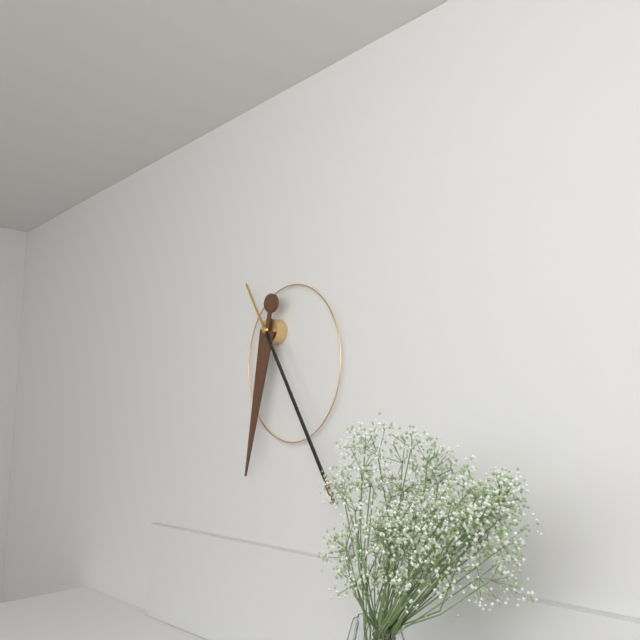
**6:25**
